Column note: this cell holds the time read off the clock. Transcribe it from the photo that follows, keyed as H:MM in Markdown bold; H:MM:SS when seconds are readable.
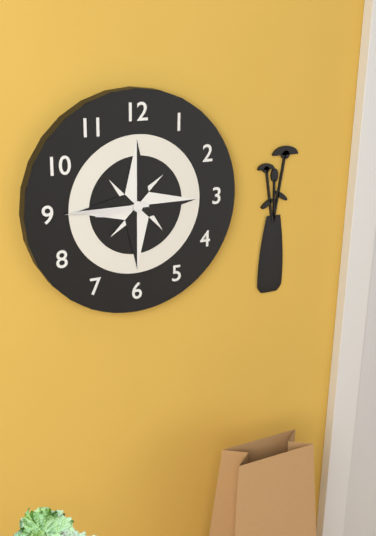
**8:45**
